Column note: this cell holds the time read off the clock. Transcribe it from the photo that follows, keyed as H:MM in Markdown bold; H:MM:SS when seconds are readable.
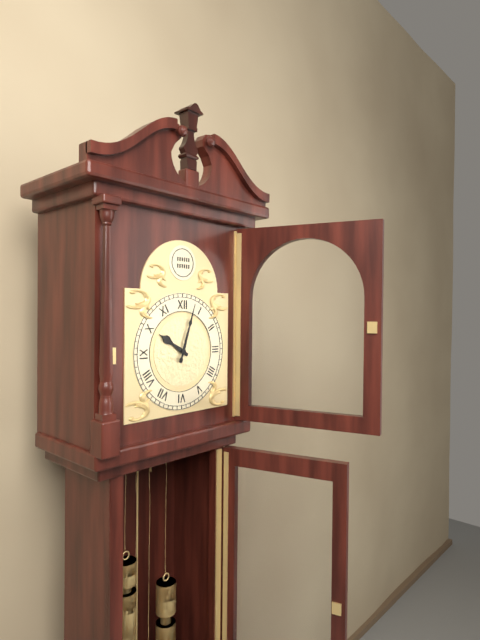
**10:03**
